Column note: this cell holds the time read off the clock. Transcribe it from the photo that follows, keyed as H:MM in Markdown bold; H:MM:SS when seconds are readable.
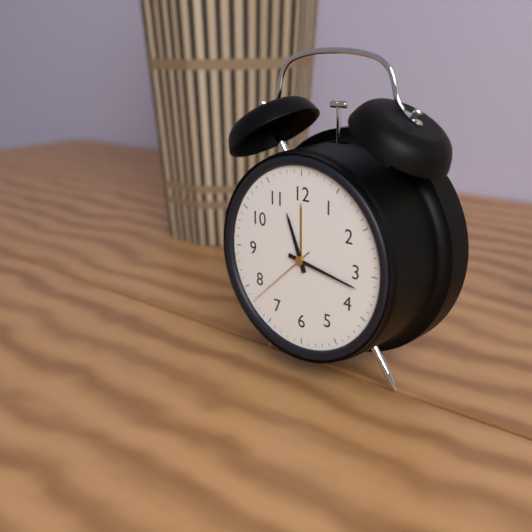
**11:17:38**
